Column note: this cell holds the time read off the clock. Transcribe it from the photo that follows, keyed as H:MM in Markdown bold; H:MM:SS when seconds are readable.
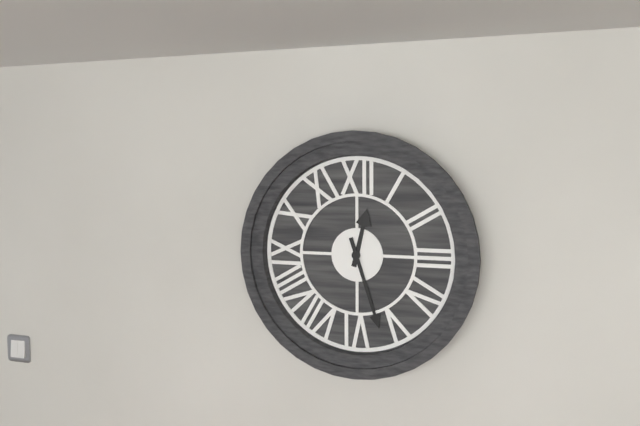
**12:27**
